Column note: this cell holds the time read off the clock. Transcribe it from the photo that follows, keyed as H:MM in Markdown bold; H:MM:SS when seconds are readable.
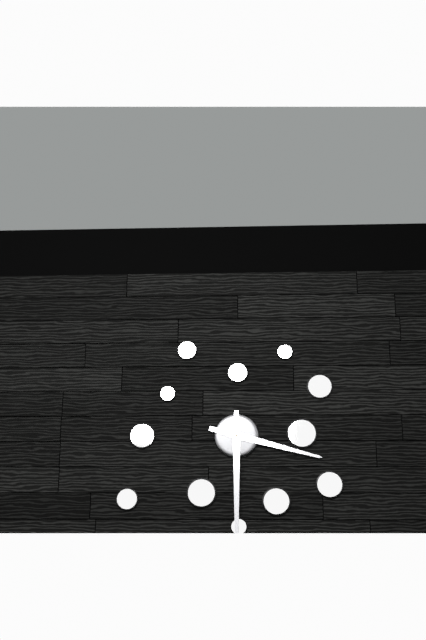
**3:30**
